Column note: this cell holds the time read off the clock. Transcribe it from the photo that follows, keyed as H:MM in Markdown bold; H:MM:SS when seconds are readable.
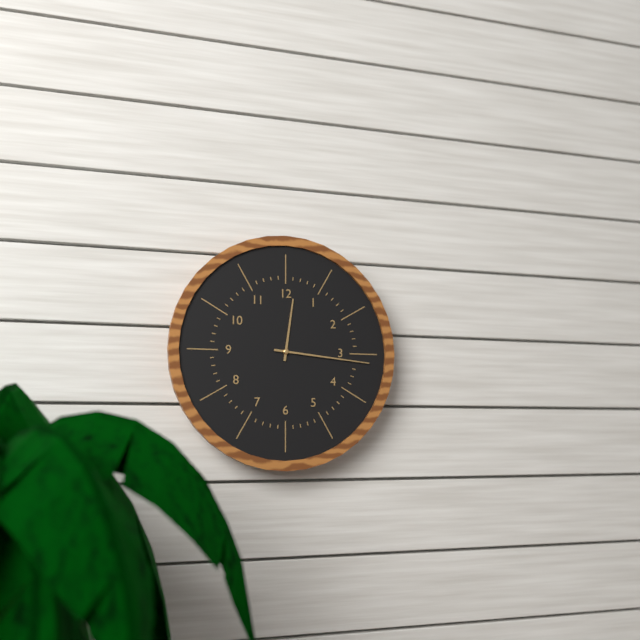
**12:16**
